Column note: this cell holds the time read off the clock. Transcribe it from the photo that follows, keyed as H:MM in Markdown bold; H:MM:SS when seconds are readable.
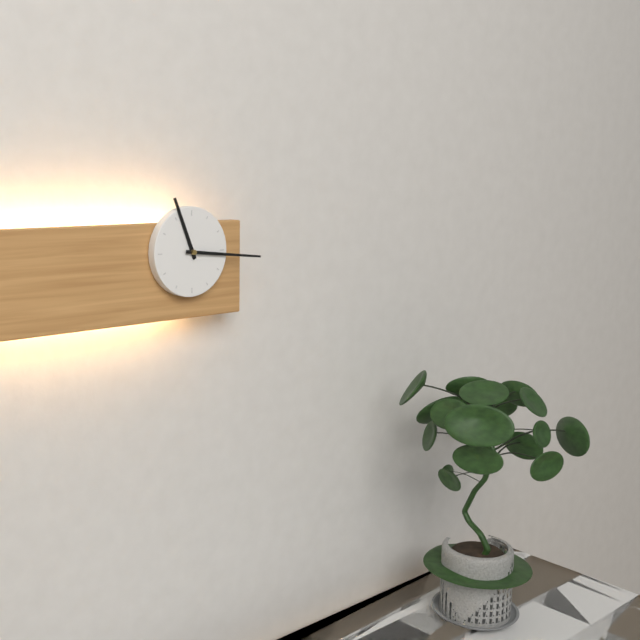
**11:16**
